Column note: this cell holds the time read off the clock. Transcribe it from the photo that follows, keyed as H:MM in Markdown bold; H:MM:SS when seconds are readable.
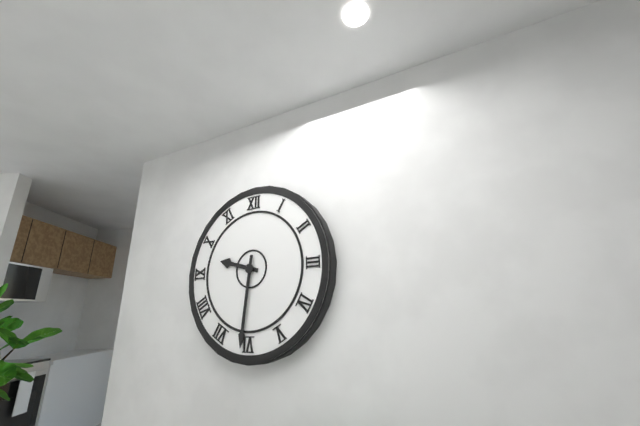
**9:31**
